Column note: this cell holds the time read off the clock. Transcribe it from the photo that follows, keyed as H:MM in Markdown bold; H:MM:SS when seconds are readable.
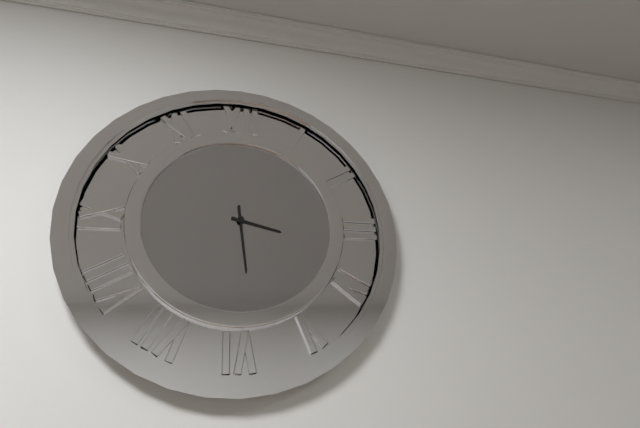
**3:29**
